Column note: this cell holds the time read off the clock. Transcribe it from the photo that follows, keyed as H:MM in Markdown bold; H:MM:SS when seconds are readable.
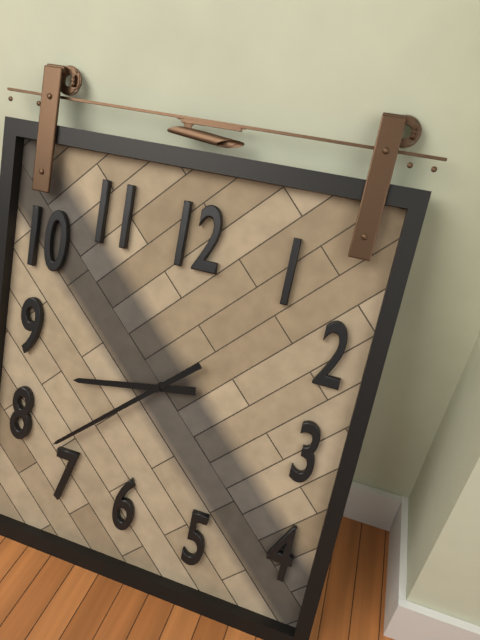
**8:38**
